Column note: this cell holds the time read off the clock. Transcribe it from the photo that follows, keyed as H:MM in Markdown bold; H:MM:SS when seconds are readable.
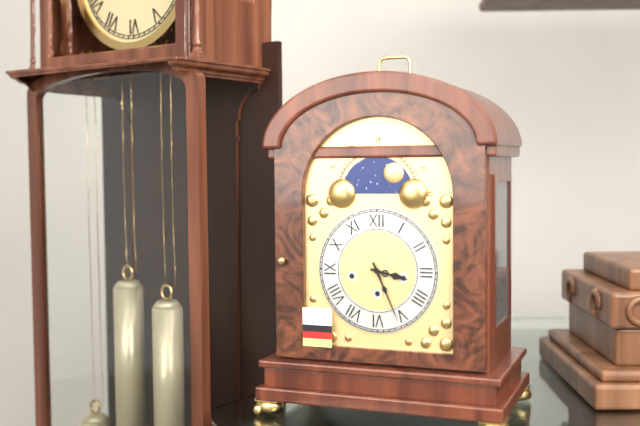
**3:26**
